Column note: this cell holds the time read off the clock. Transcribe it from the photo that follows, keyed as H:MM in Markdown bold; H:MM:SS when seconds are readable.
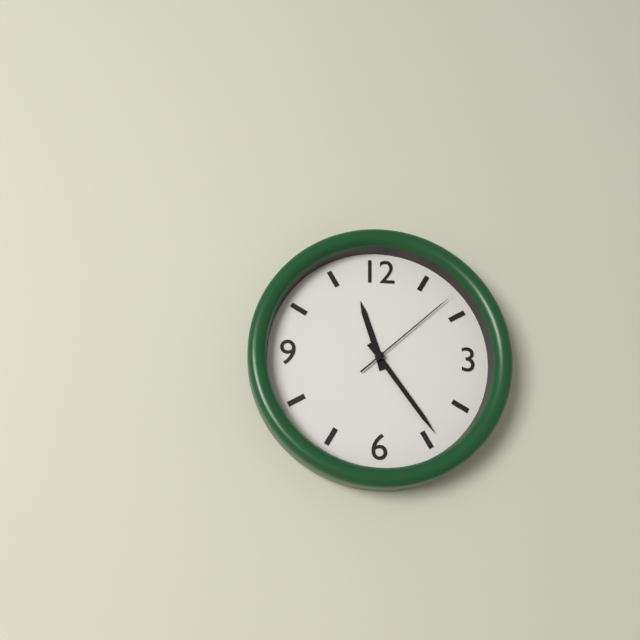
**11:24:08**
